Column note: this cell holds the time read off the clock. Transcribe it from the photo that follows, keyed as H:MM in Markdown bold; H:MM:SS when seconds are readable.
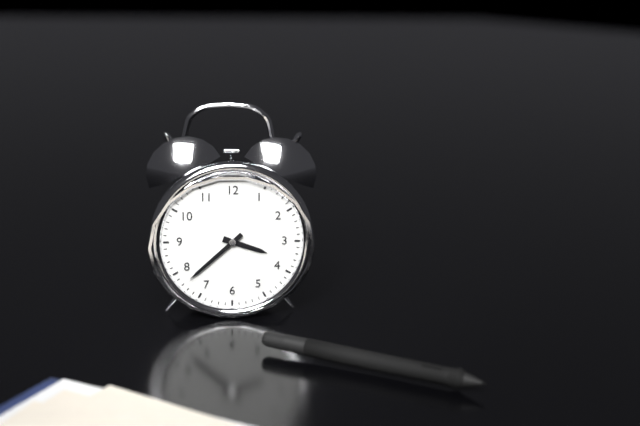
**3:38**
